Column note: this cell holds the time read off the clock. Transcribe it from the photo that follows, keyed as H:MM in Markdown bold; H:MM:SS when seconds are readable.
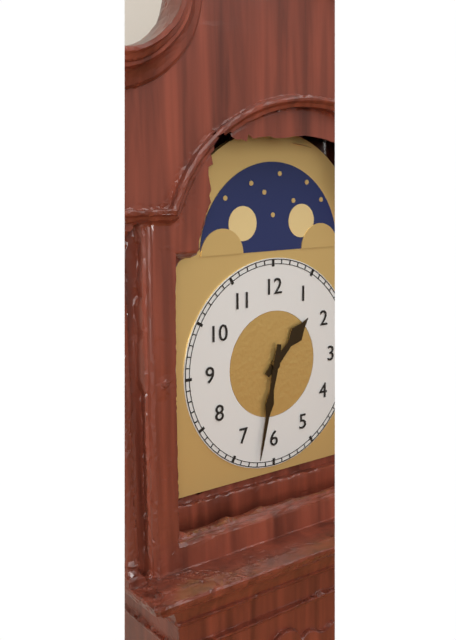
**1:32**
